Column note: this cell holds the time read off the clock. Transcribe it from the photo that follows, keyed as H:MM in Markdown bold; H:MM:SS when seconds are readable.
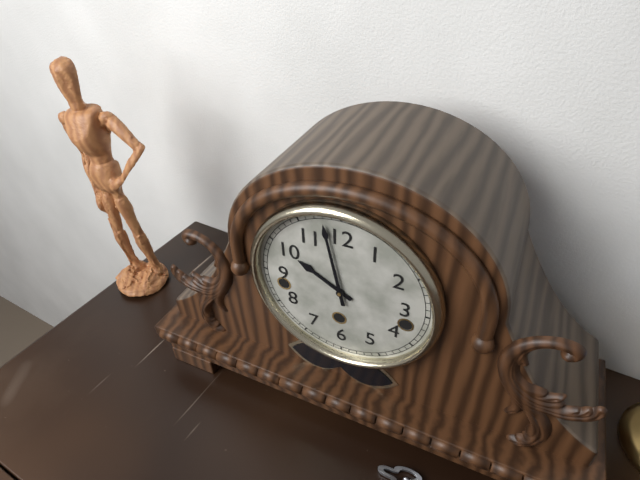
**9:58**
